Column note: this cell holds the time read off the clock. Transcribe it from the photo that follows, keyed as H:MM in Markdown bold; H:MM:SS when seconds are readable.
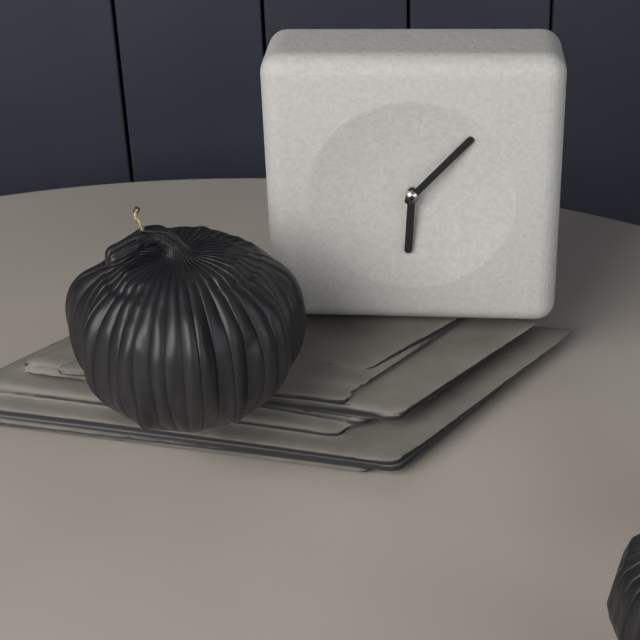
**6:07**
